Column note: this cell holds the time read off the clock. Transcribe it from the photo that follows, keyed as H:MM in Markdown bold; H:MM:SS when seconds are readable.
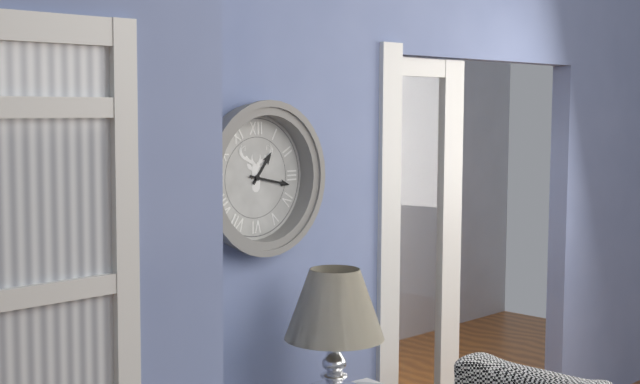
**1:17**
